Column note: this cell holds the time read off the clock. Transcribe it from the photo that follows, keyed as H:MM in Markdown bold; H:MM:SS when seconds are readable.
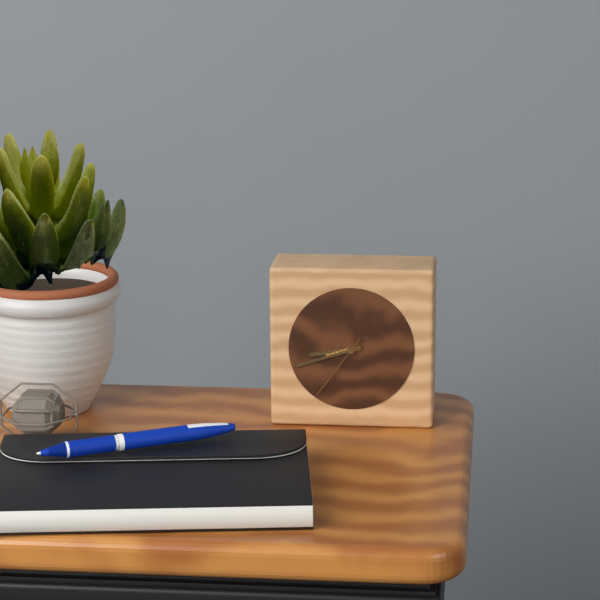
**8:42:36**
